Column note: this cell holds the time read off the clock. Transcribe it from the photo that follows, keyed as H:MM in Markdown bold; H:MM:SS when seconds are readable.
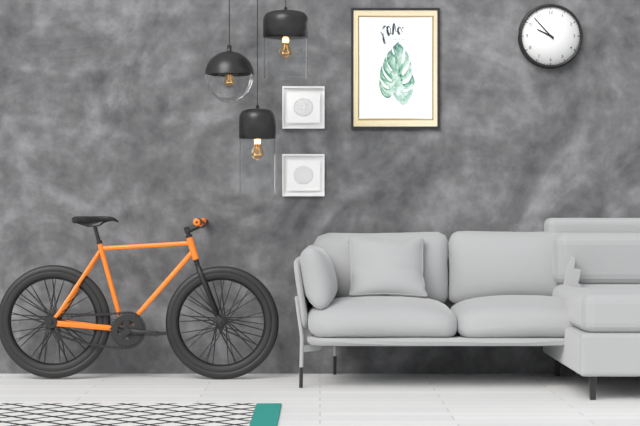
**9:53**
